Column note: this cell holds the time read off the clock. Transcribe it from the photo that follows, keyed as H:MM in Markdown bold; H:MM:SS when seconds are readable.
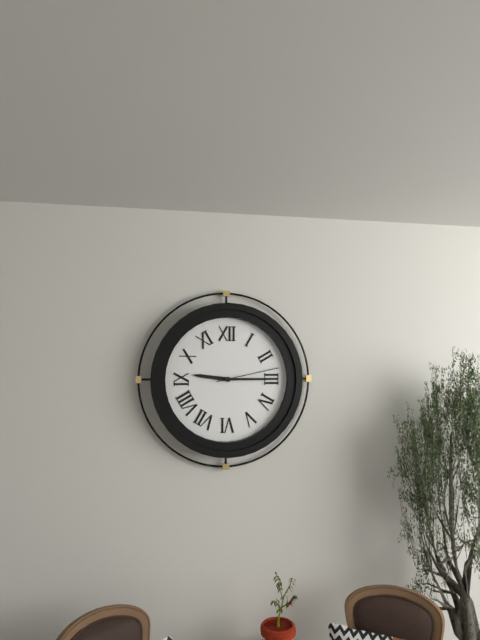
**9:15:13**
